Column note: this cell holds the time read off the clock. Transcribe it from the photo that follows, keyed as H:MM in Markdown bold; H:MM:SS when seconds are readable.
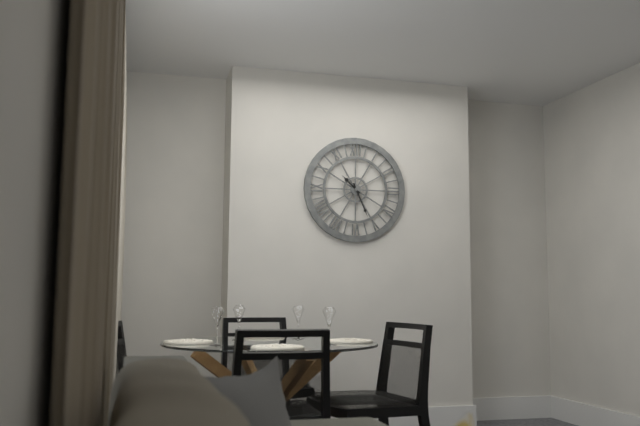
**10:26**
